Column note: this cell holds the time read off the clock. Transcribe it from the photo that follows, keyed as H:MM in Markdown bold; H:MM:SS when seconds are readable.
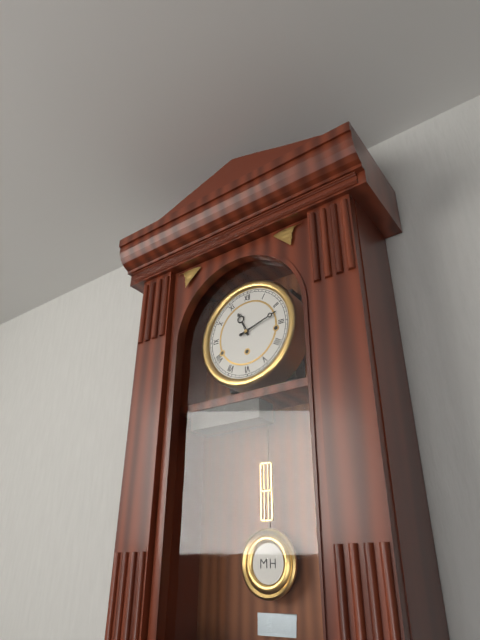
**11:12**
